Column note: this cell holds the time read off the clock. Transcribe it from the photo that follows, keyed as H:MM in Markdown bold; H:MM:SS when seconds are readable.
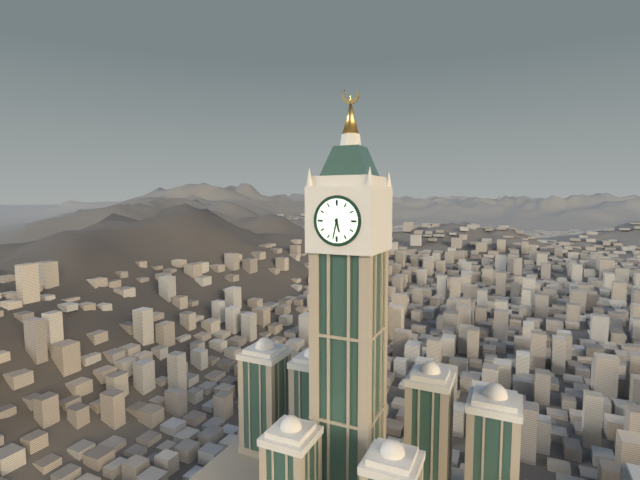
**5:32**
